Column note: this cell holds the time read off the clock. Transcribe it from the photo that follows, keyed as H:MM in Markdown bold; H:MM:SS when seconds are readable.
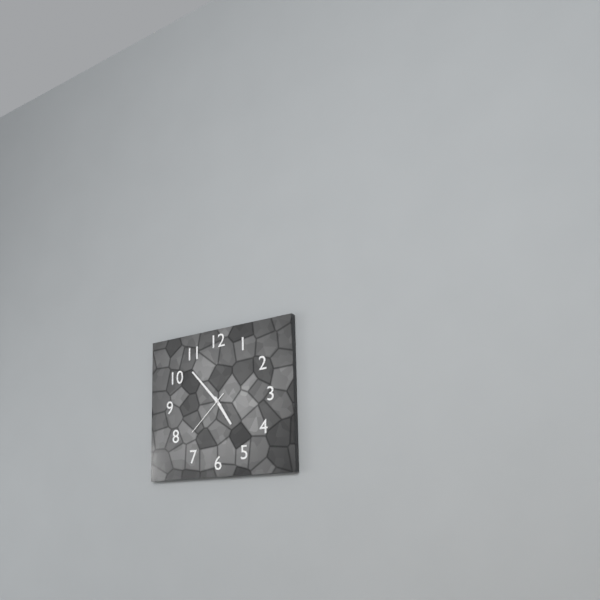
**4:53**
